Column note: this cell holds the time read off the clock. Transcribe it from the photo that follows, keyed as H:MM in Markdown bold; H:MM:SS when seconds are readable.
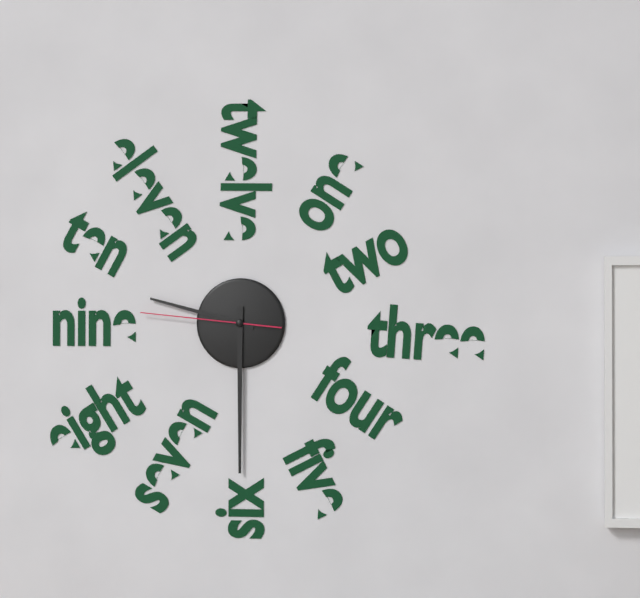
**9:30:46**
